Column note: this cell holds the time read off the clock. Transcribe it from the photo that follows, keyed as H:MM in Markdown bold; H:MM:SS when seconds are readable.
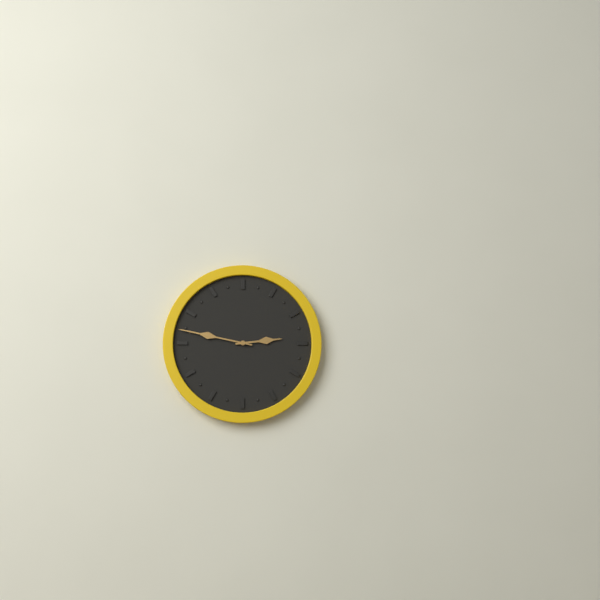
**2:47**
